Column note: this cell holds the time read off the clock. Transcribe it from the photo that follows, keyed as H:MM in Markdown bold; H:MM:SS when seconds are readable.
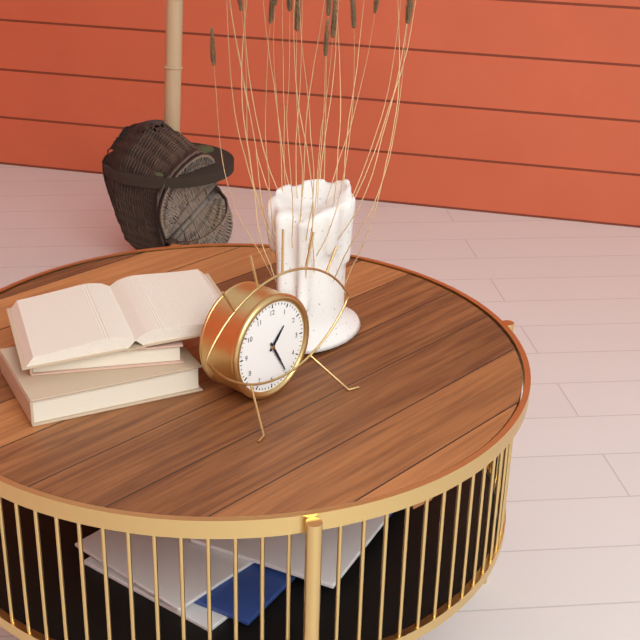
**1:25**
